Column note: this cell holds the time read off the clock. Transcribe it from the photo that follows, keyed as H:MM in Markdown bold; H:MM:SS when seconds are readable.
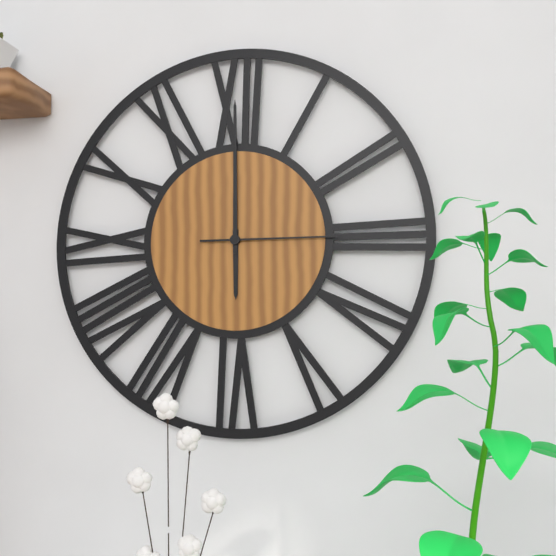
**6:00:15**
